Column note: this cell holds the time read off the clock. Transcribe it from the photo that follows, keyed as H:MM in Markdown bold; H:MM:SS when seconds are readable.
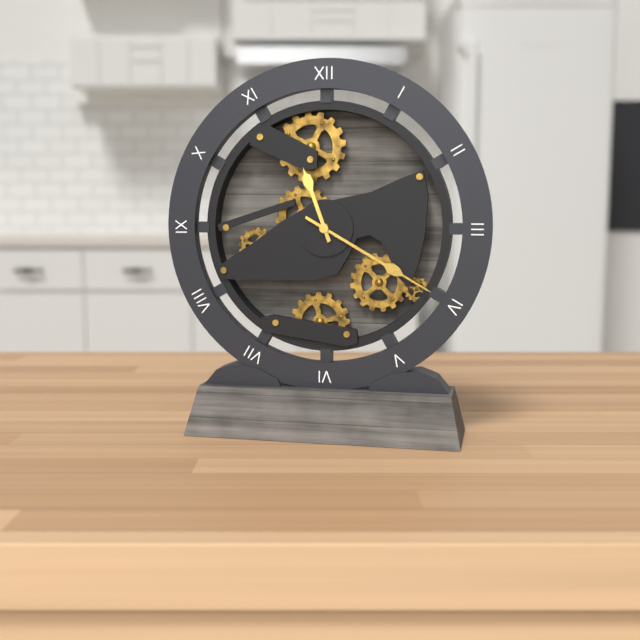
**11:20**
